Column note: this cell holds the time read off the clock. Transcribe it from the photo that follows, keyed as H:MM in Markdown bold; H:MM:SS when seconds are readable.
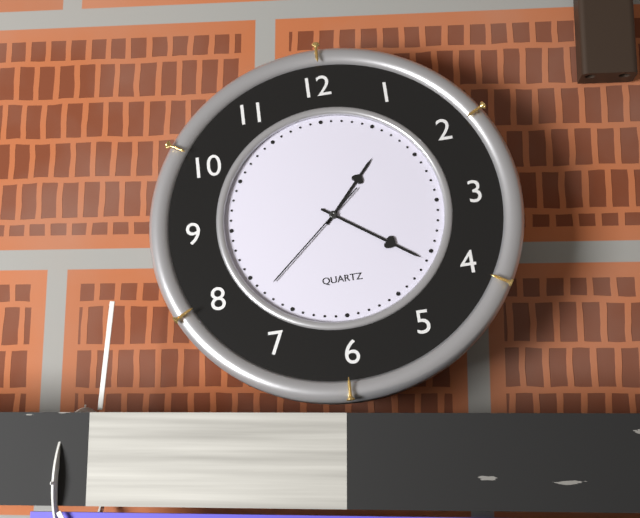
**1:21:38**
